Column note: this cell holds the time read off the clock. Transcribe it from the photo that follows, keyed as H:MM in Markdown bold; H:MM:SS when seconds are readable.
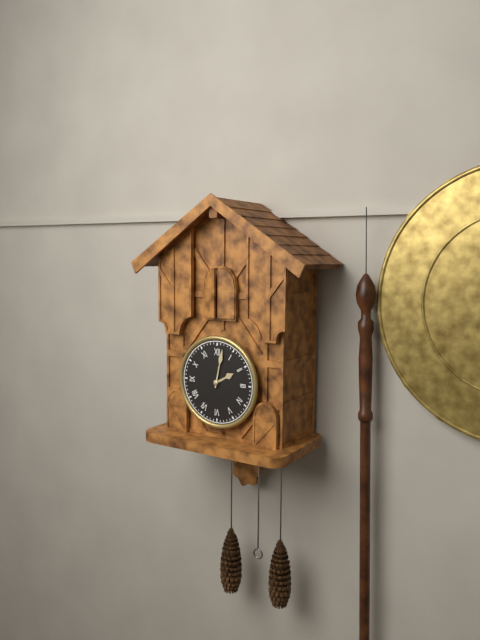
**2:02**
